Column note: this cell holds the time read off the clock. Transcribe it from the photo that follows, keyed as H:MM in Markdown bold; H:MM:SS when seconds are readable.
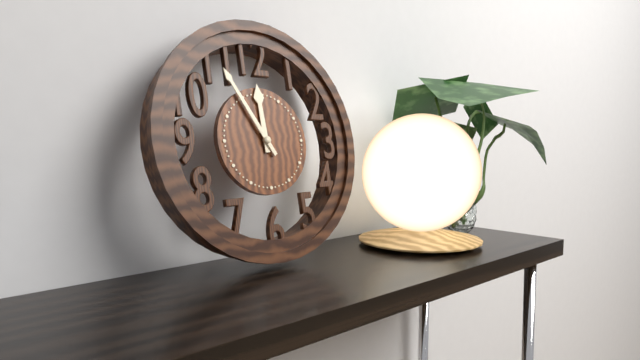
**11:55**
